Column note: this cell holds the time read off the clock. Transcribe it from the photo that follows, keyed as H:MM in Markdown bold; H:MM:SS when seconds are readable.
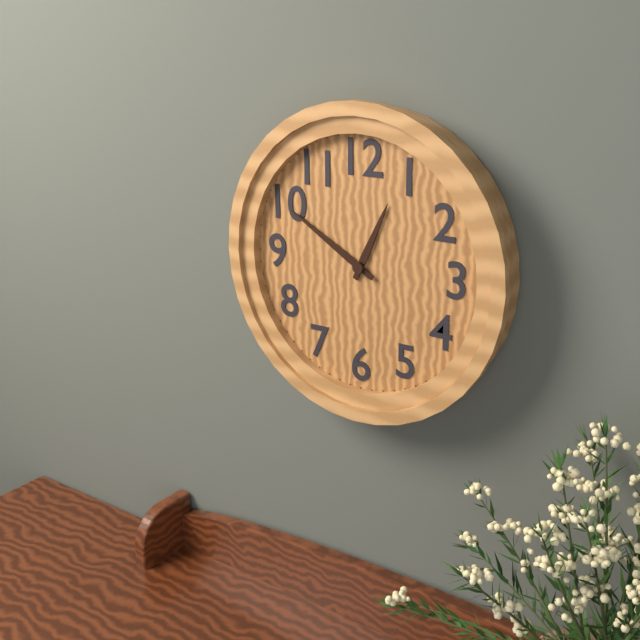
**12:50**
